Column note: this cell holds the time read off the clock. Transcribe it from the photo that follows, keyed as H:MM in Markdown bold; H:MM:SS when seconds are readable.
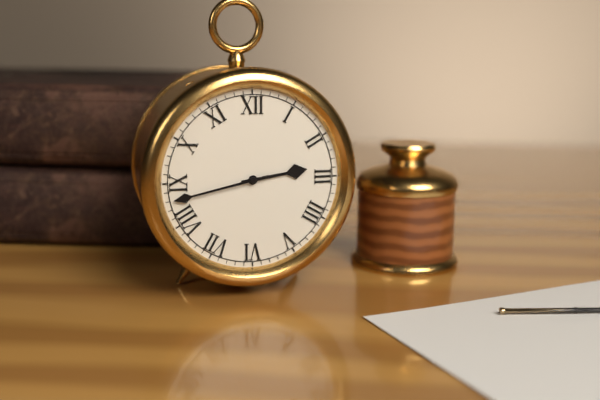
**2:43**
